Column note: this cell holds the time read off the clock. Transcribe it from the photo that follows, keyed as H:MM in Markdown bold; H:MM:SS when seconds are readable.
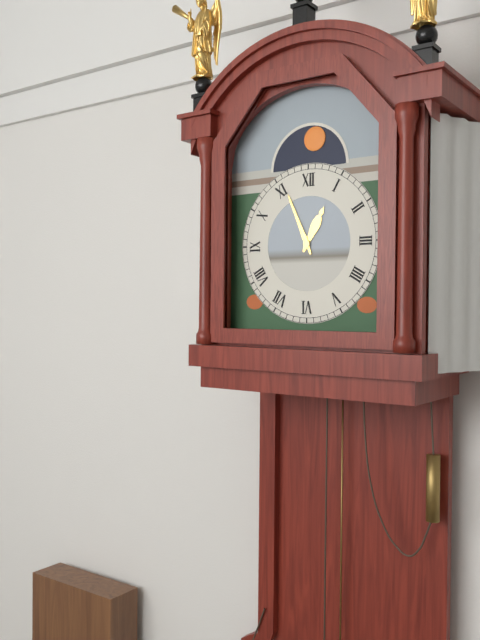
**12:56**
